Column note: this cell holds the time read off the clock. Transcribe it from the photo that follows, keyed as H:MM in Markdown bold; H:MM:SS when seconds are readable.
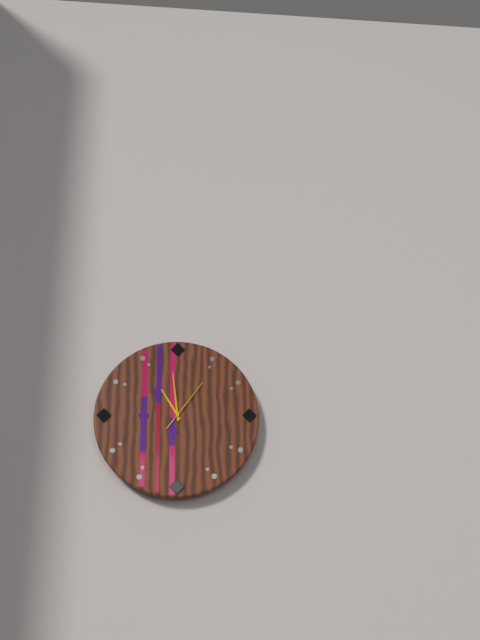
**10:59:06**
